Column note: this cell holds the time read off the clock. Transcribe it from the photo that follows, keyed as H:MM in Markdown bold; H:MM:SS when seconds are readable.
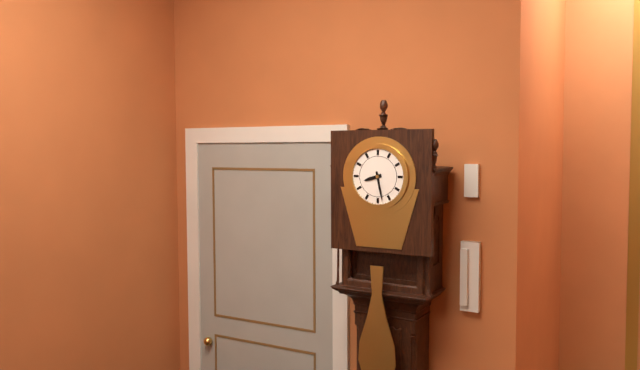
**8:28**
